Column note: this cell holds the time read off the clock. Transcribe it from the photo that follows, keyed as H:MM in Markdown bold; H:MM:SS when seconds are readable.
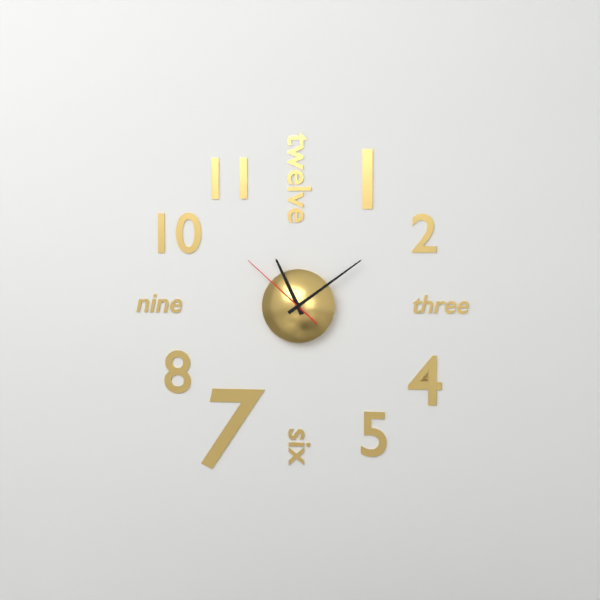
**11:09:52**
